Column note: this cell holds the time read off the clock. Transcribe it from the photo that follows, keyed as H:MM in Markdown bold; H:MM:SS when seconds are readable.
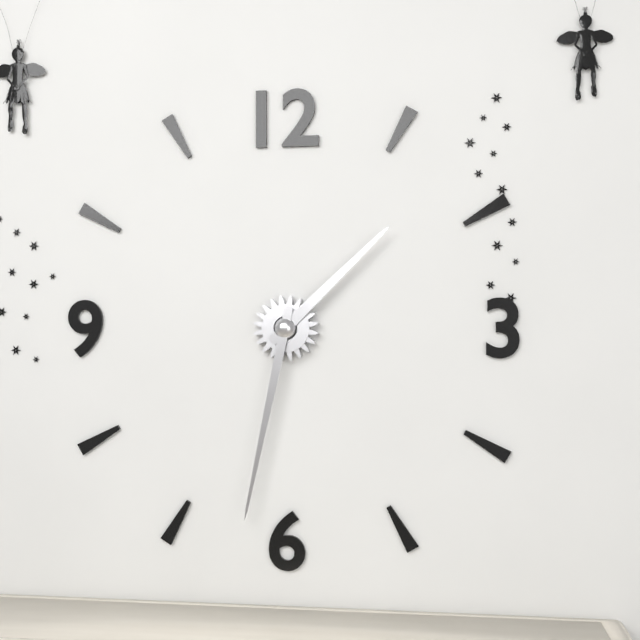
**1:32**
